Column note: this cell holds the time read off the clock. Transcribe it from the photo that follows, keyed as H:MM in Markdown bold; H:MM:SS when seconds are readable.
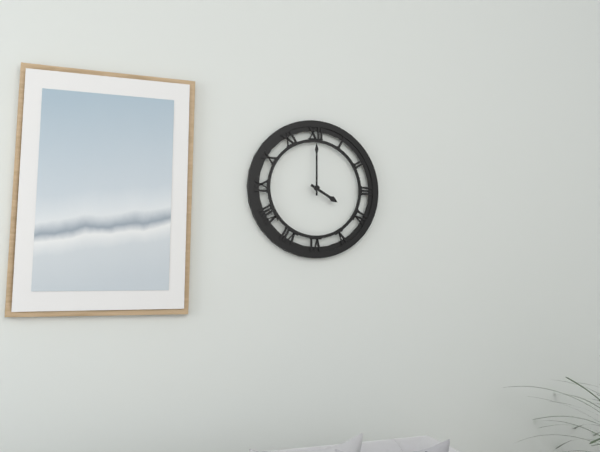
**4:00**
